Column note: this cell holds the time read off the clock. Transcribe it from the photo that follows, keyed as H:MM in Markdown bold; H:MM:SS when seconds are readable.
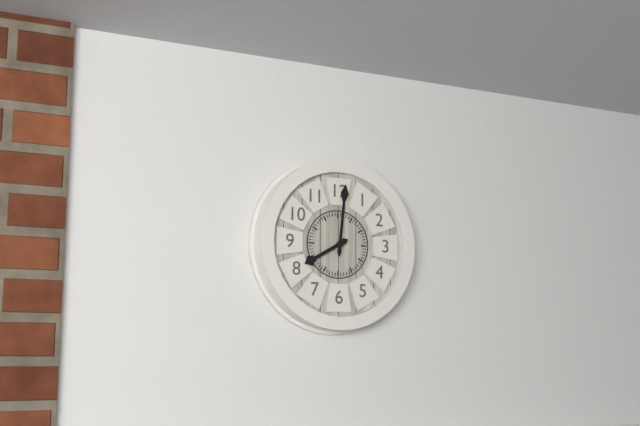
**8:01**
